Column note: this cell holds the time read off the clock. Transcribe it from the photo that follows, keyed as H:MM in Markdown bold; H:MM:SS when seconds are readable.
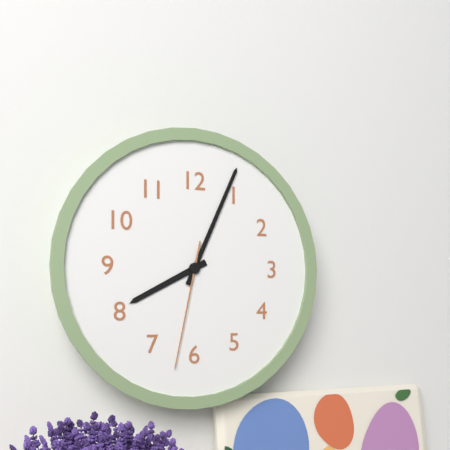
**8:04:32**
